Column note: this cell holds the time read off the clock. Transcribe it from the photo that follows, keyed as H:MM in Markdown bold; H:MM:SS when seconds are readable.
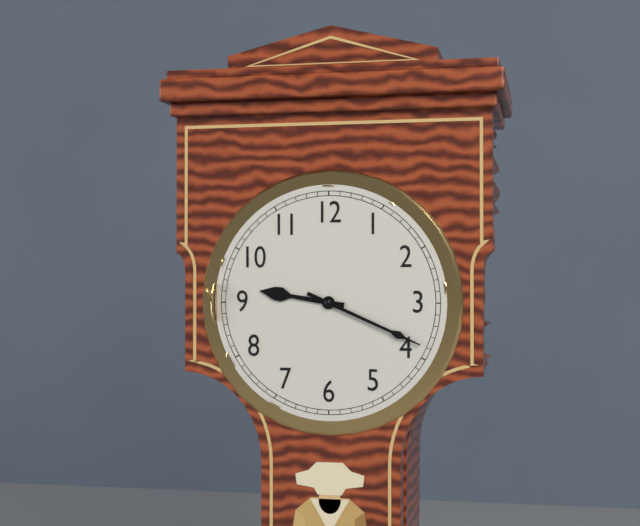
**9:19**
